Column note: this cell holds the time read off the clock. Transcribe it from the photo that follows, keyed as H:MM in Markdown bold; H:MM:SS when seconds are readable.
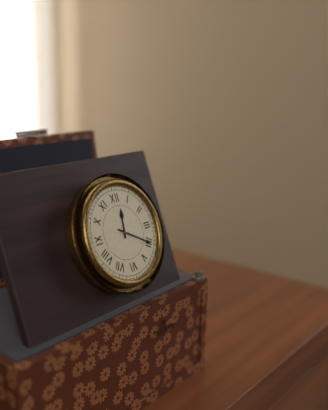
**12:20**
